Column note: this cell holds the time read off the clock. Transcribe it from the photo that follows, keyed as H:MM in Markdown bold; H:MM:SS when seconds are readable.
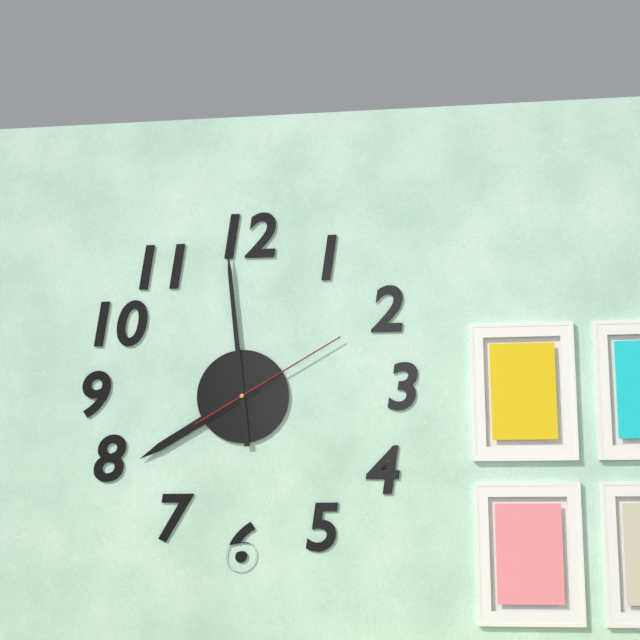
**7:59:10**
